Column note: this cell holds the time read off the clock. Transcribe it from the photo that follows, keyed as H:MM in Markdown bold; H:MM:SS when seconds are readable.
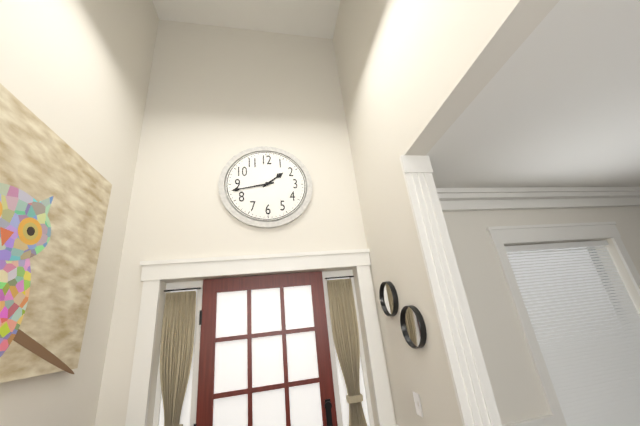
**1:43**
